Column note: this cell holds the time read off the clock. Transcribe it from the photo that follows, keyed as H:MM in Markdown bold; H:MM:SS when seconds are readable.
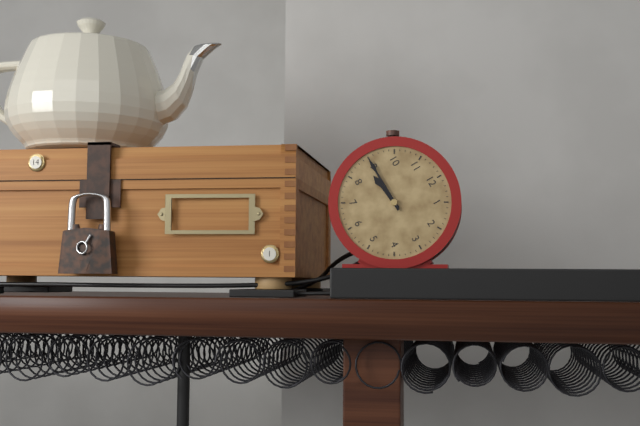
**8:45**
